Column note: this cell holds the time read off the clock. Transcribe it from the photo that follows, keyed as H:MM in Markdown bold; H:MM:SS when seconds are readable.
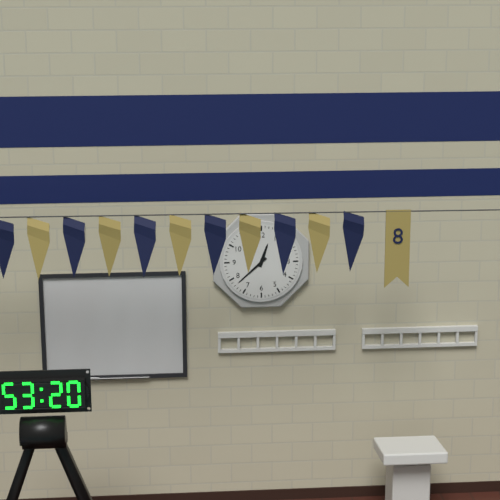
**12:38**
